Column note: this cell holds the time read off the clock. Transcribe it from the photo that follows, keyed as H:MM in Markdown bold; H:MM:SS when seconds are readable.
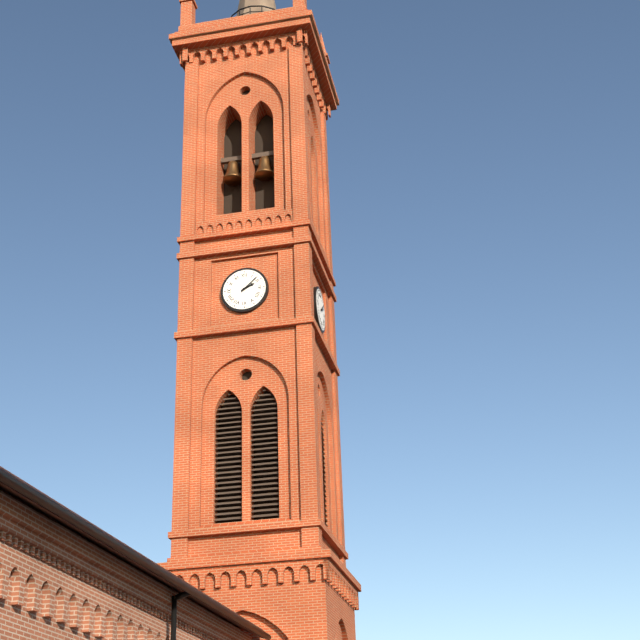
**2:08**
